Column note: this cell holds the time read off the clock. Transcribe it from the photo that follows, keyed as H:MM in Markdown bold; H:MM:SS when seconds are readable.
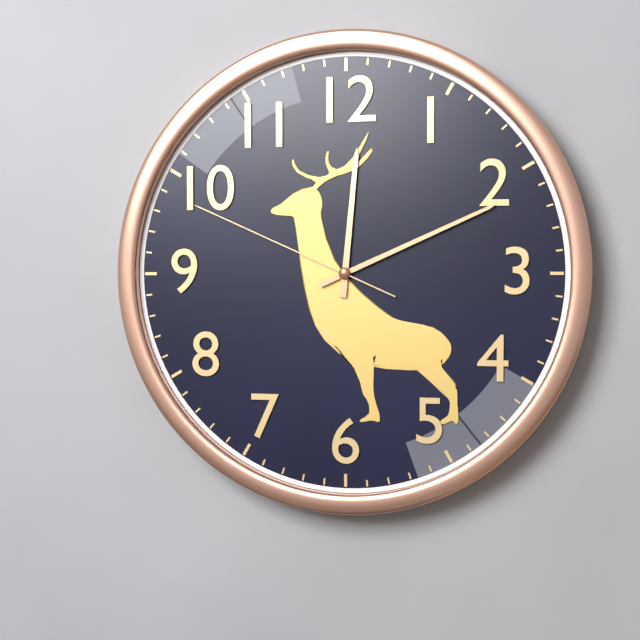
**12:11:49**
